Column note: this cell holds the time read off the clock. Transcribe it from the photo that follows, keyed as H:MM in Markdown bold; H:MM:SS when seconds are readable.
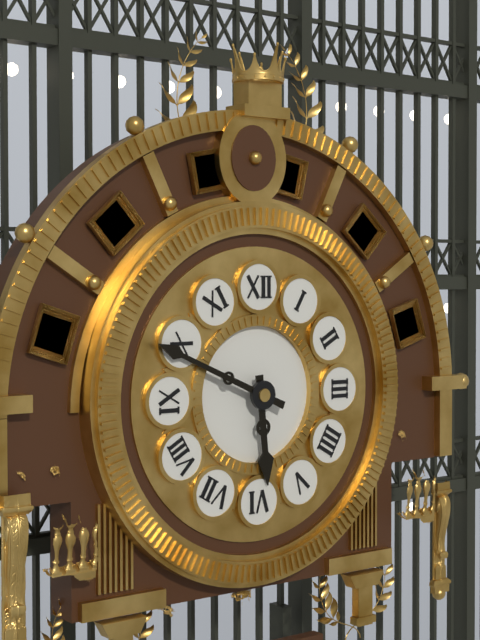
**5:49**
